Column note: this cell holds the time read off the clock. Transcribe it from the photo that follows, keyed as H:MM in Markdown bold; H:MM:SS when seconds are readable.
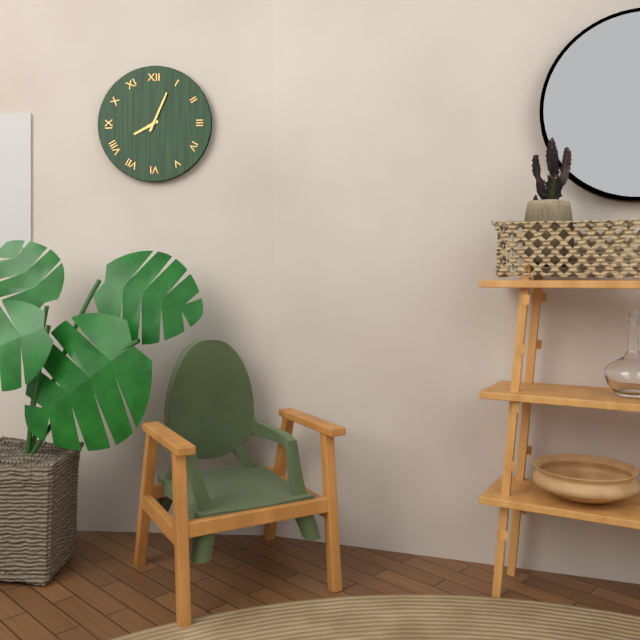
**8:04**
